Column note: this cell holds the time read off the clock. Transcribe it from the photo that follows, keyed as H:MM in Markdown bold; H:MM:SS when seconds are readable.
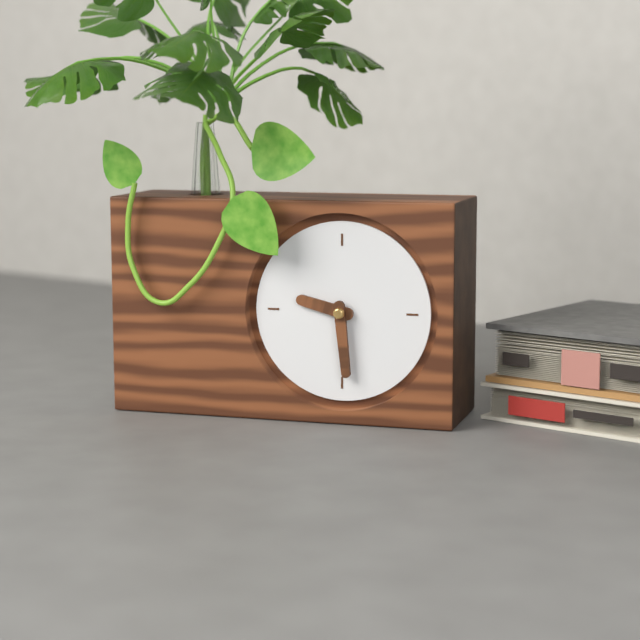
**9:29**
